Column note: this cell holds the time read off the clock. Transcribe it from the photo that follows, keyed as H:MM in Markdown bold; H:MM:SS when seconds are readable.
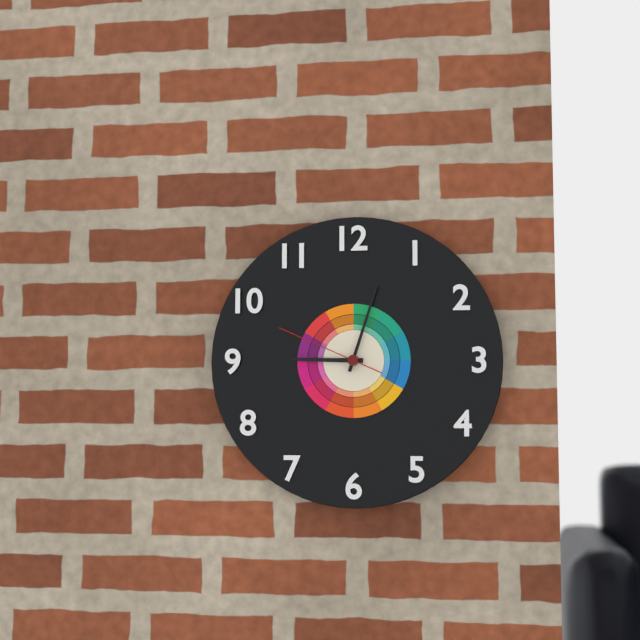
**9:03:49**
